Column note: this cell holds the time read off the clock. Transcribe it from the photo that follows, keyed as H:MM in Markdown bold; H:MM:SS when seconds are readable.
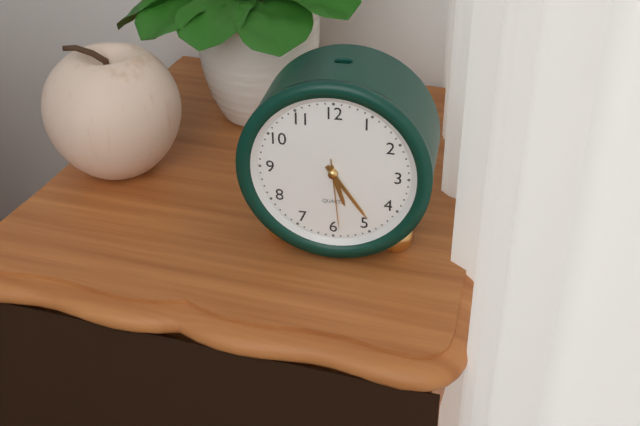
**5:24:29**
